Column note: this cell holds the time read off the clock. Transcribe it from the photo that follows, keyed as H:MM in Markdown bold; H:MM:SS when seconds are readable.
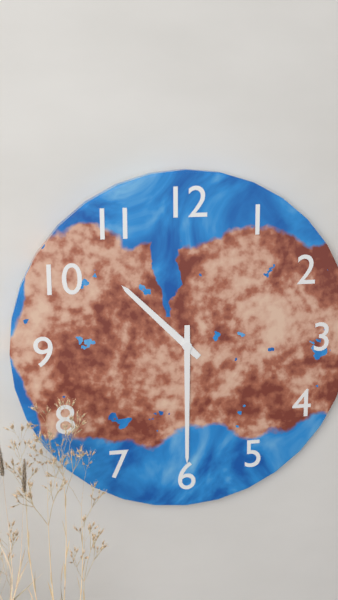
**10:30**
